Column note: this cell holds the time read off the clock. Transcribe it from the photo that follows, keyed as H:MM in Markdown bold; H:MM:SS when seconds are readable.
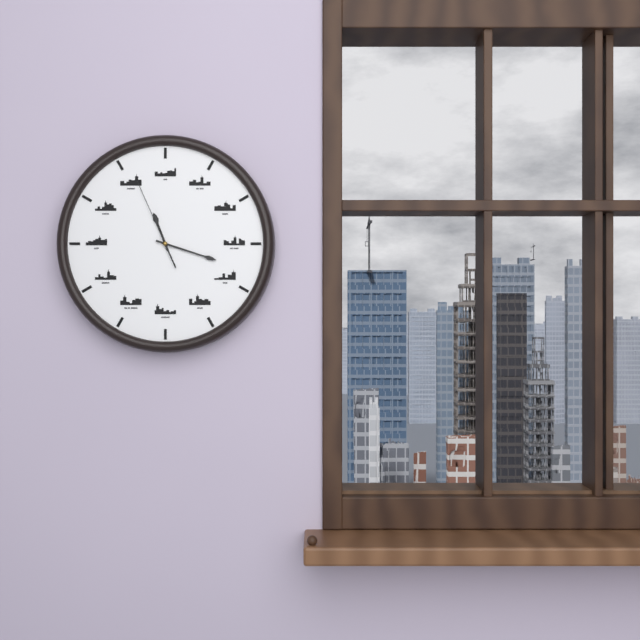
**11:18:56**
